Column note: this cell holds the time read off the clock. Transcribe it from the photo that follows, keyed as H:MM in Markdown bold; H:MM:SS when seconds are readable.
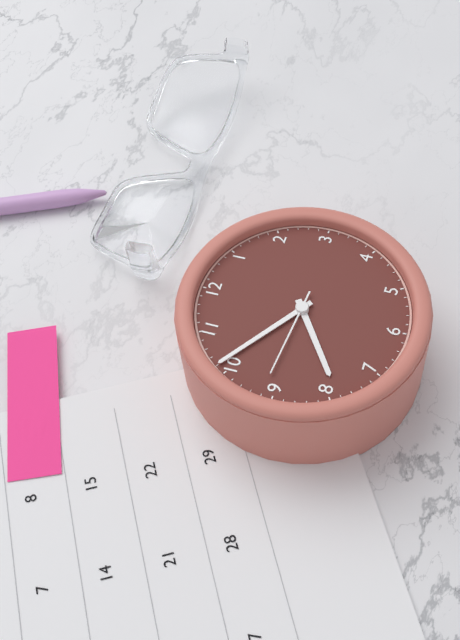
**7:51:46**
